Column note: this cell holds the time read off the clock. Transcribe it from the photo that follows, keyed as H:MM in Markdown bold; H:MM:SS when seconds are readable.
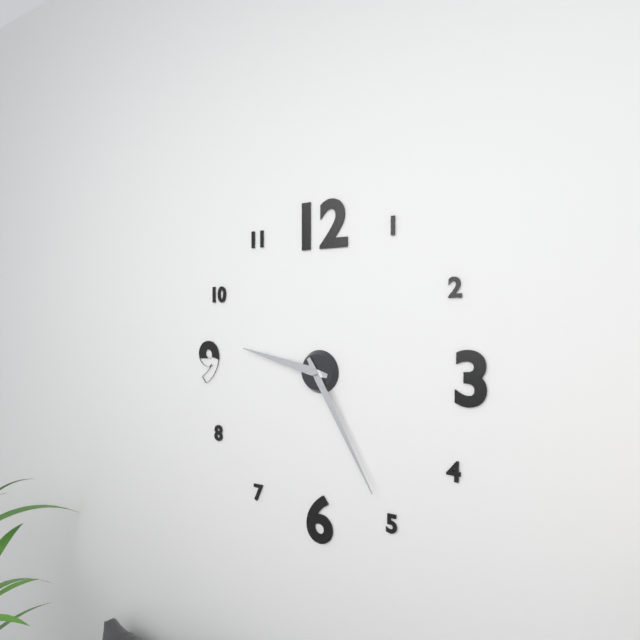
**9:25**
